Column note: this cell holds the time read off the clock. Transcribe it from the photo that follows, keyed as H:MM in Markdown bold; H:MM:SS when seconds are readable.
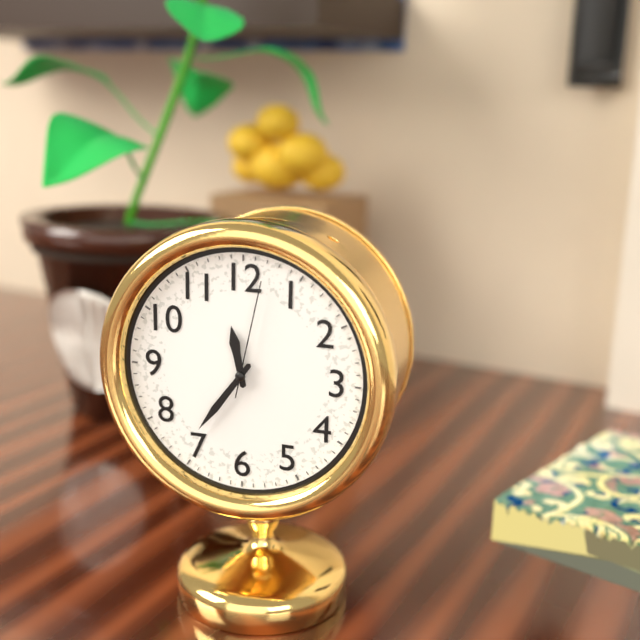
**11:36:02**
